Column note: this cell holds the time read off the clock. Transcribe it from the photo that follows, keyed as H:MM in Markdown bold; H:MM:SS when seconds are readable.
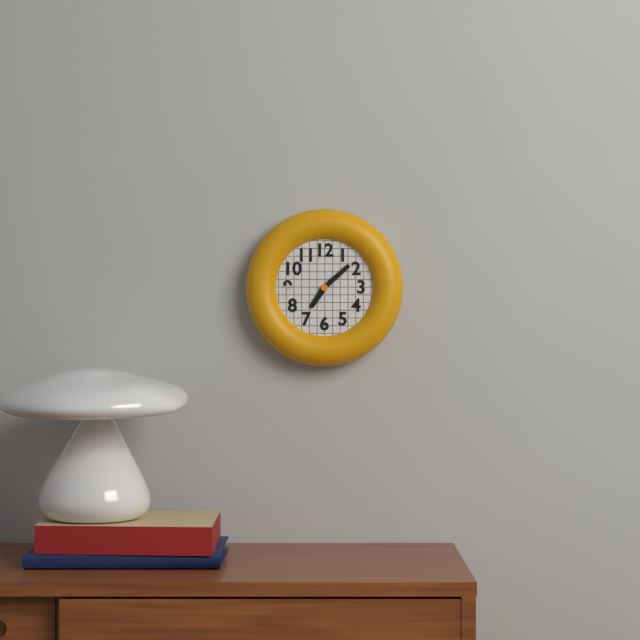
**7:08**
